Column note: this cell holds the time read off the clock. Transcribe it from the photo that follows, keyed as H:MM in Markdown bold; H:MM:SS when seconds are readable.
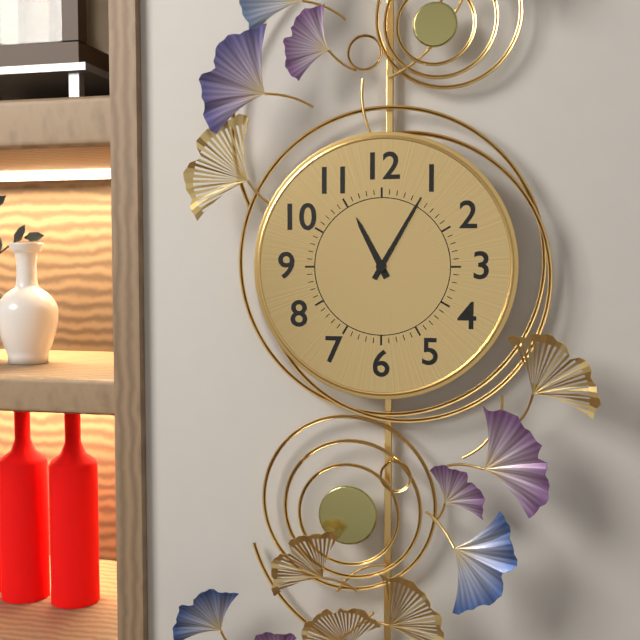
**11:05**
